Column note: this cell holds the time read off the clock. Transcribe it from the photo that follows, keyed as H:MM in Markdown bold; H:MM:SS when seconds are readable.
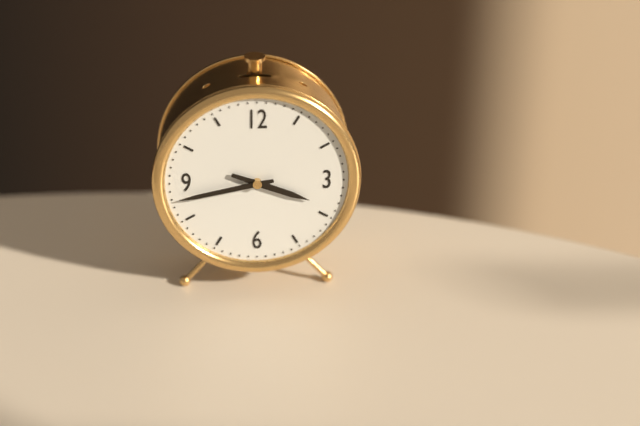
**3:43**
